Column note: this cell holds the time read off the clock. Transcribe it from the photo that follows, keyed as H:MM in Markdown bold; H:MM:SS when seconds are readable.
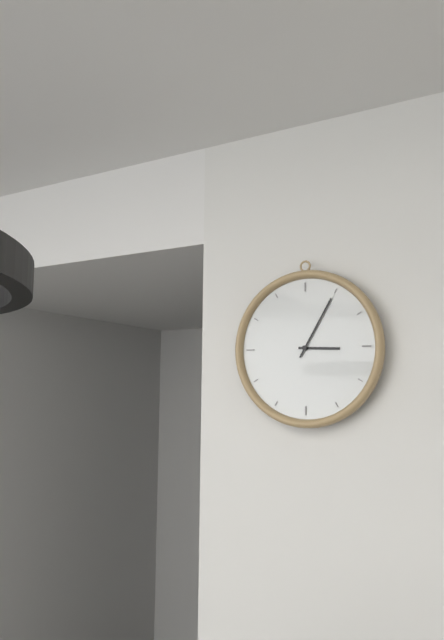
**3:05**
